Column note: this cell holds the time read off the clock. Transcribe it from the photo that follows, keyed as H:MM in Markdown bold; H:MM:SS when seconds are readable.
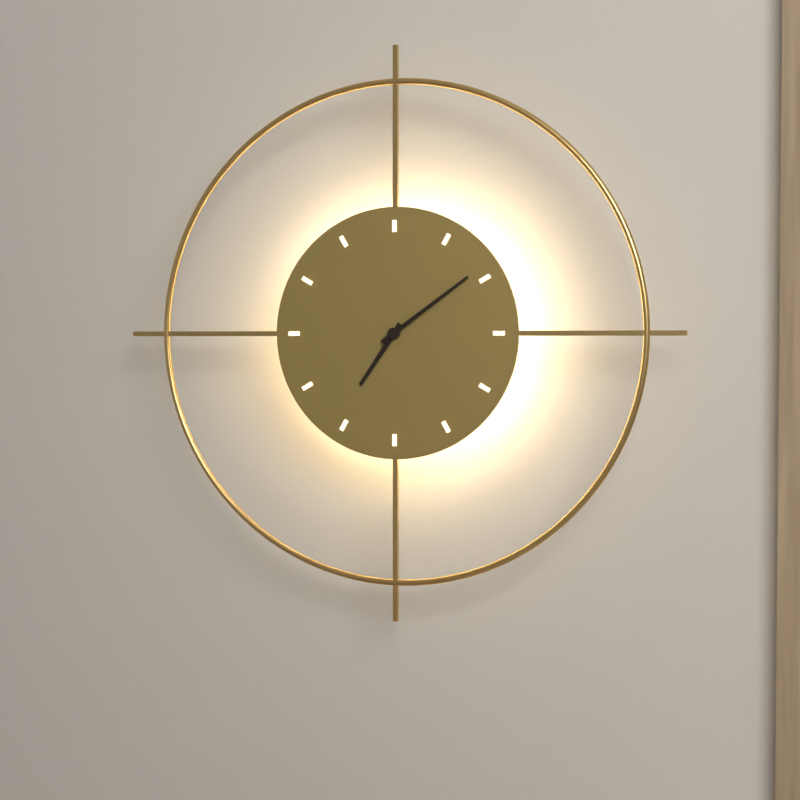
**7:09**
